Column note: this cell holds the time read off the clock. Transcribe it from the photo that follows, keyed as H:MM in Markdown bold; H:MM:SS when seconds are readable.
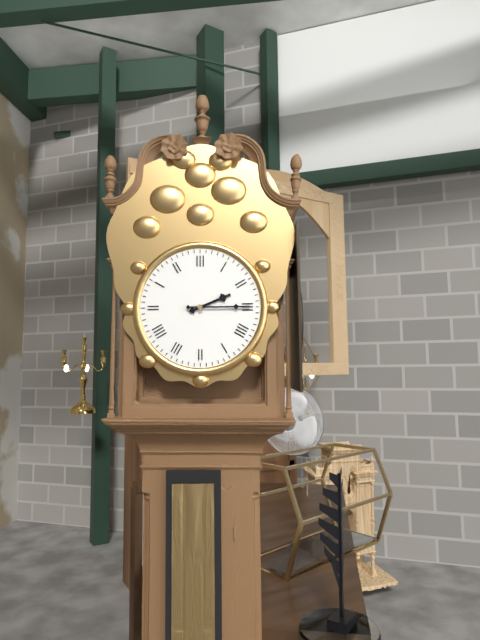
**2:15**
